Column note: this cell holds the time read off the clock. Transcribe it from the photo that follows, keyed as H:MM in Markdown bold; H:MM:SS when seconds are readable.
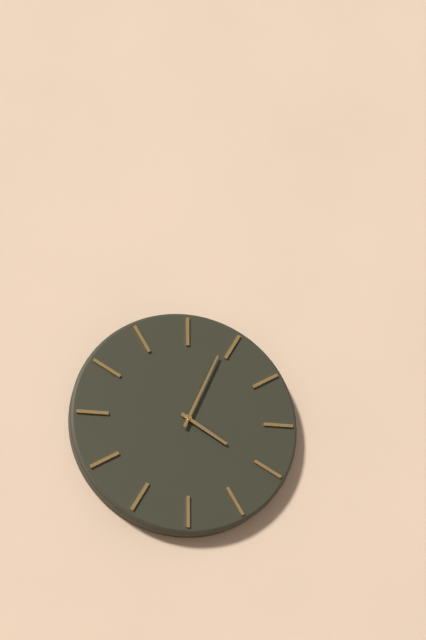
**4:04**
